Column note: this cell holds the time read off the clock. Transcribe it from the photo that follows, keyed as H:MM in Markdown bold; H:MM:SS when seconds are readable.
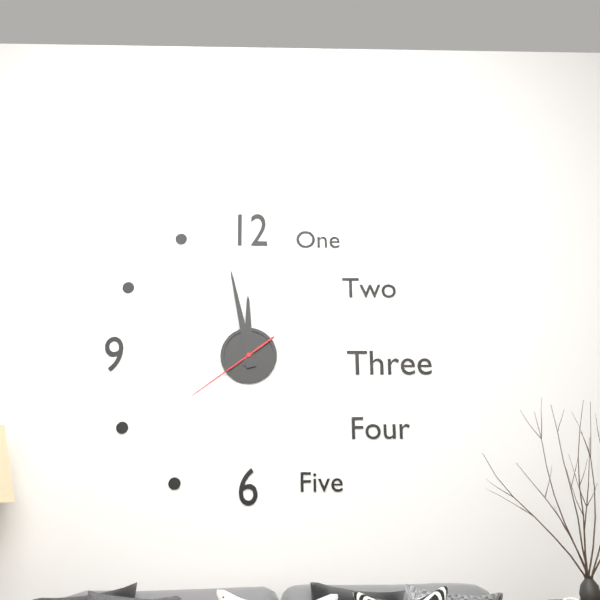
**11:58:39**
